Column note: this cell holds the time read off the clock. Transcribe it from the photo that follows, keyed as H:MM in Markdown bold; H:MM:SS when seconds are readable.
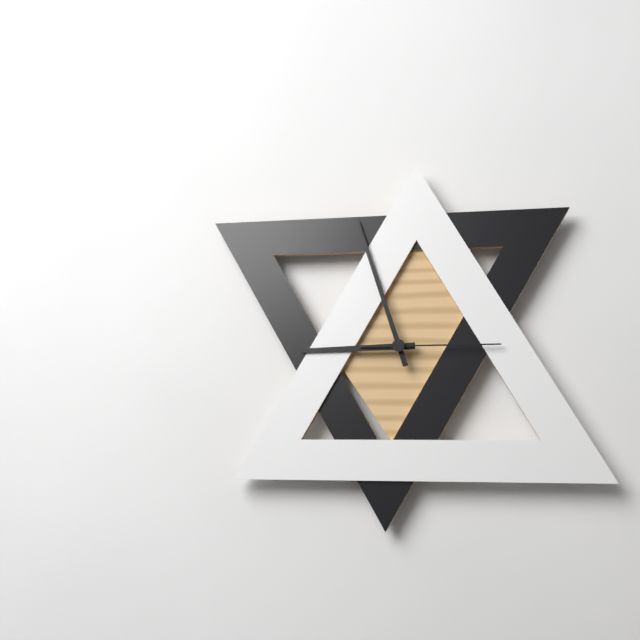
**8:57:15**
